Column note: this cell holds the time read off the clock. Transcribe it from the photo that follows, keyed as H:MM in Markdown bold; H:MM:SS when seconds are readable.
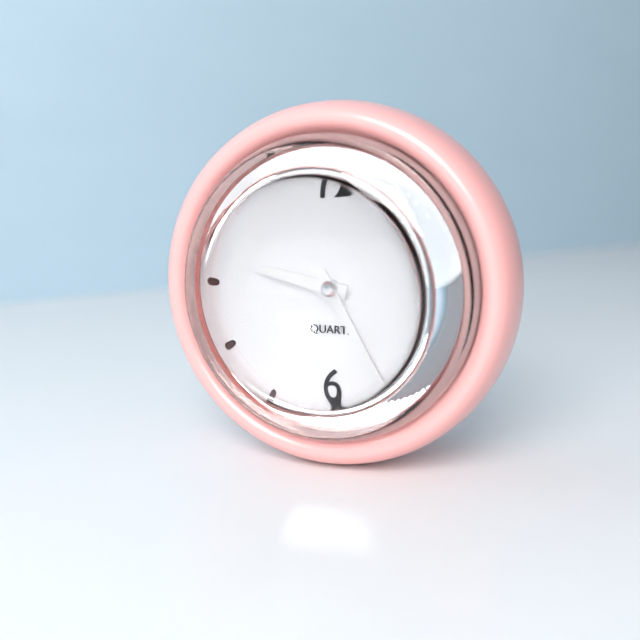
**9:25**
